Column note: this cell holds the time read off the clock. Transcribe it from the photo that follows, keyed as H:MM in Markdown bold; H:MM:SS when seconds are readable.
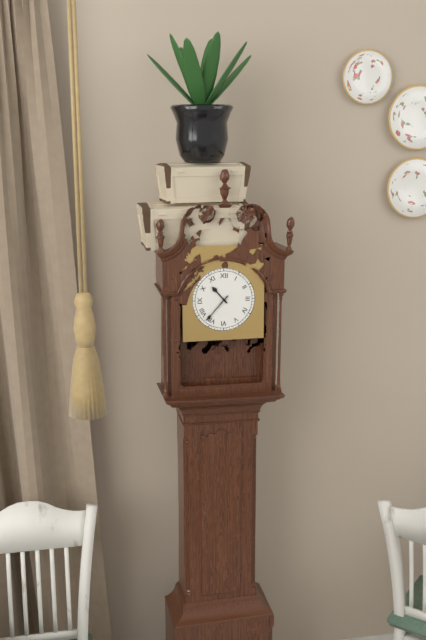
**10:37**
